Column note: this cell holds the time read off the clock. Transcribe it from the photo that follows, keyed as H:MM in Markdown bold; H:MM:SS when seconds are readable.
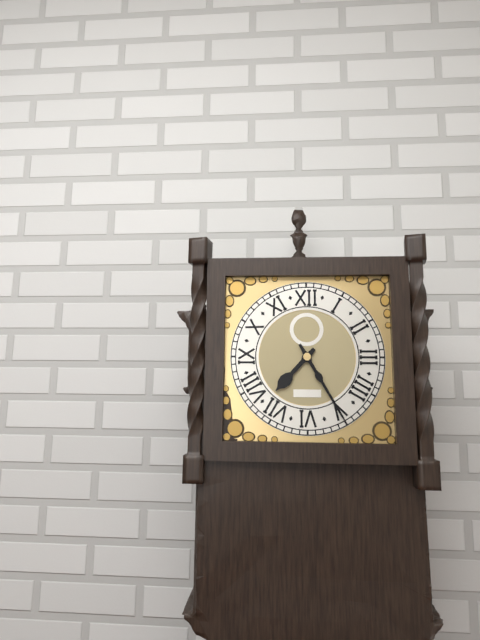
**7:25**
